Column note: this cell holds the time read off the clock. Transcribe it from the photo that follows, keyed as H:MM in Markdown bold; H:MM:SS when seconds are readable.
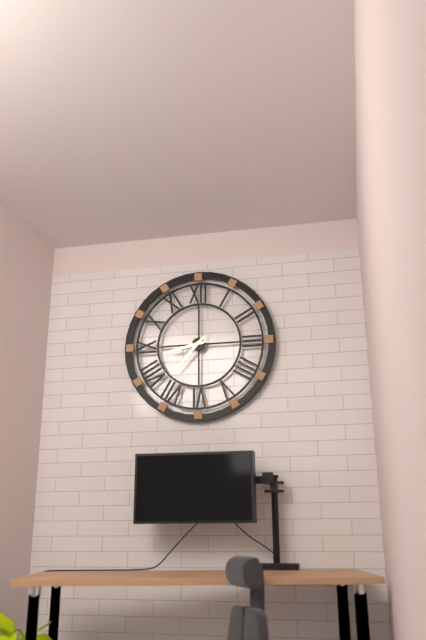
**8:37**
